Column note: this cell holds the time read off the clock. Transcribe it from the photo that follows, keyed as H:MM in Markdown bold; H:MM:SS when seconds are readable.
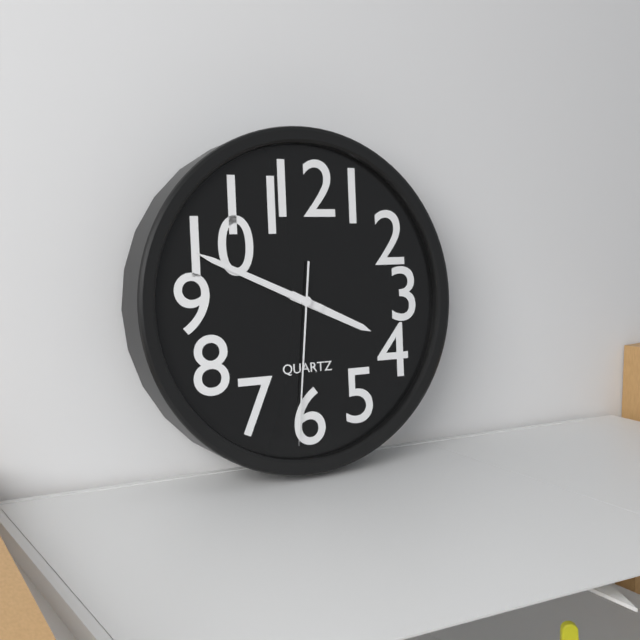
**3:49:31**
